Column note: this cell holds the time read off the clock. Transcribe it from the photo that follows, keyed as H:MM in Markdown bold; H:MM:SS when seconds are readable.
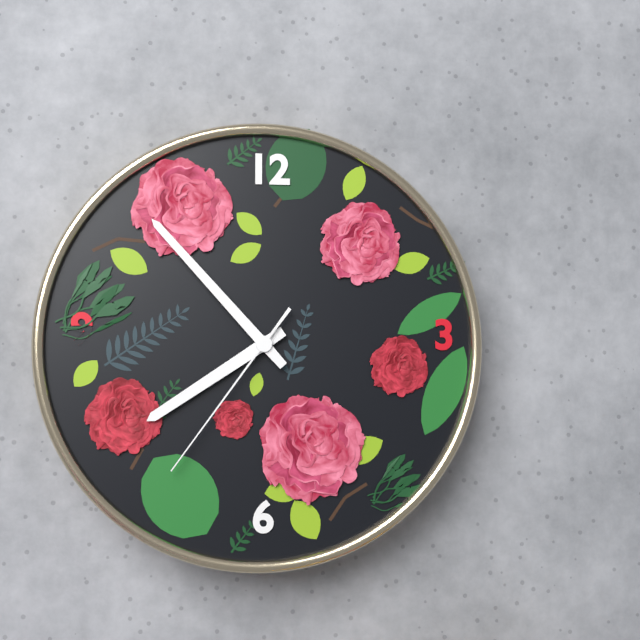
**7:53:36**
